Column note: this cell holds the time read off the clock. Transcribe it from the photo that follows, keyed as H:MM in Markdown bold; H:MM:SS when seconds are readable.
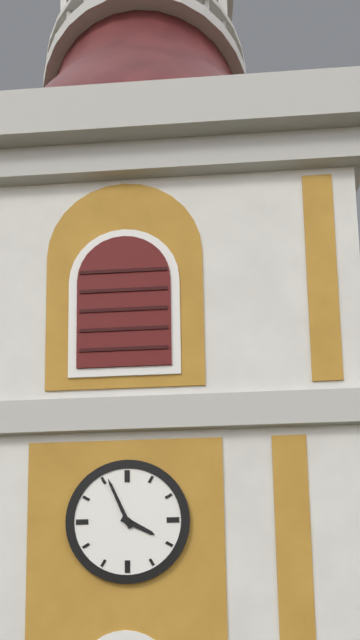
**3:56**
